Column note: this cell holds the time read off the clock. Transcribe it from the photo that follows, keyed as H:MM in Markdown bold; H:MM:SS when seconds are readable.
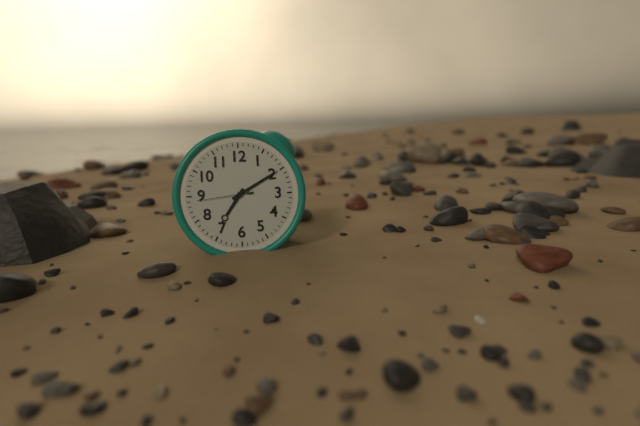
**7:10:44**
